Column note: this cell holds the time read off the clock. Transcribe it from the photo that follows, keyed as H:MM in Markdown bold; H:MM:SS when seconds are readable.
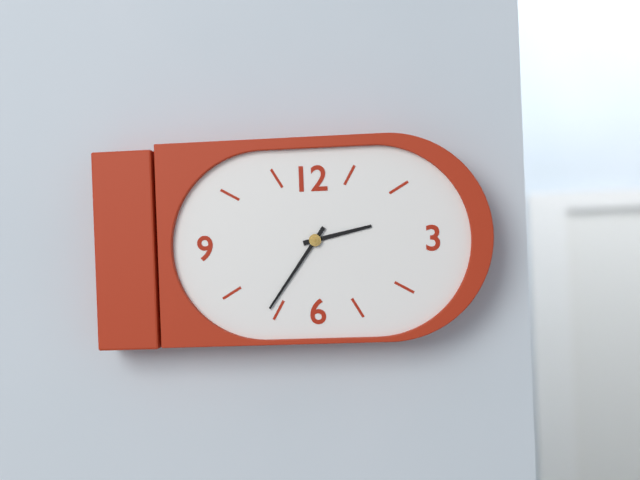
**2:36**
